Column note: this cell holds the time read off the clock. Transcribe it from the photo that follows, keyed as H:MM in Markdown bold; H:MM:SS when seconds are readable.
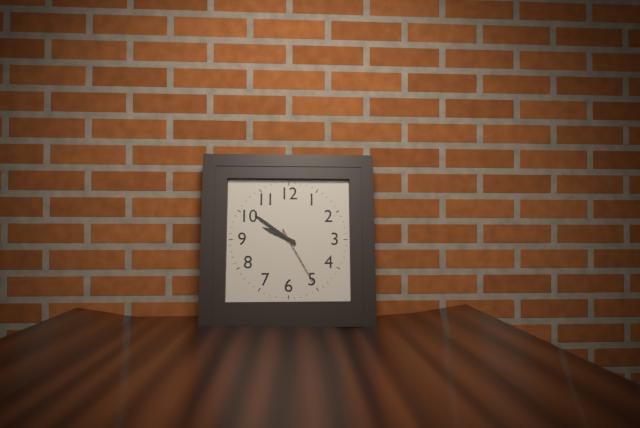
**9:51:25**
